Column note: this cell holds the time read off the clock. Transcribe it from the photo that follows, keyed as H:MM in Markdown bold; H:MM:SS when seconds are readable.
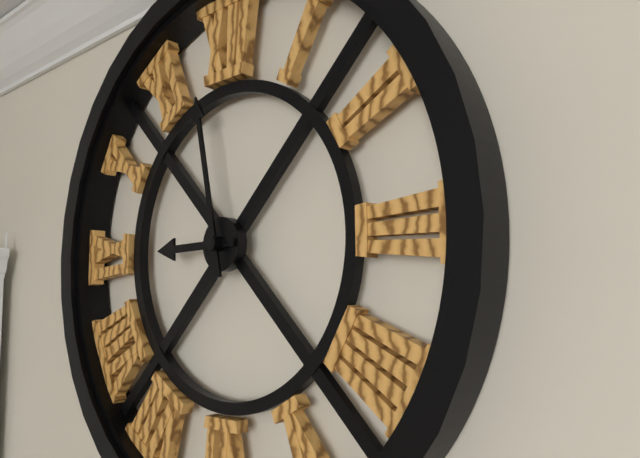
**8:58**
